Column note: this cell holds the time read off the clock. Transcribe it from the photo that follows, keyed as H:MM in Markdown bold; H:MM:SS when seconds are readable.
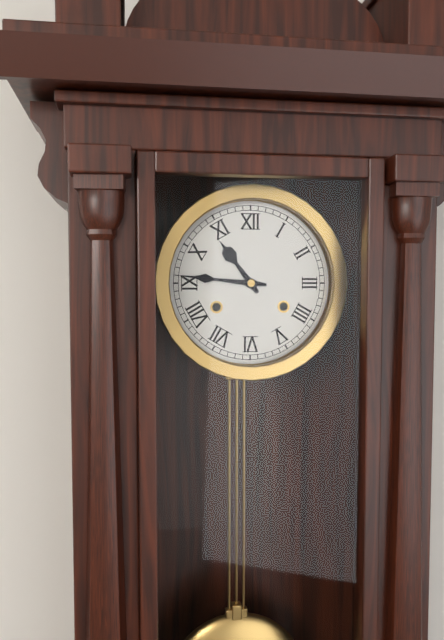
**10:46**
